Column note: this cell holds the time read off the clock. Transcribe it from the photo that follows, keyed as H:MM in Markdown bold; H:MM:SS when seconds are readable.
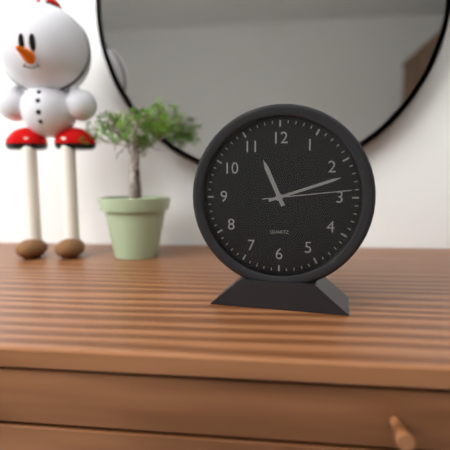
**11:12:14**
